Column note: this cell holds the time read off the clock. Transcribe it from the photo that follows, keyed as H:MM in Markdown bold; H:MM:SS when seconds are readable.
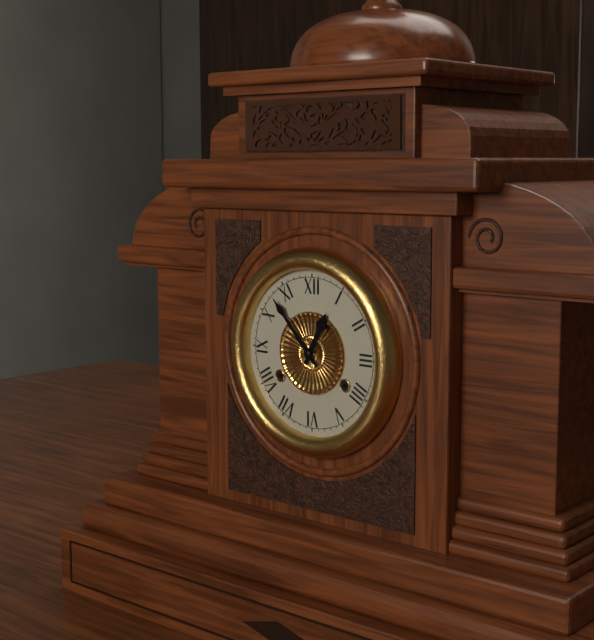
**12:53**
